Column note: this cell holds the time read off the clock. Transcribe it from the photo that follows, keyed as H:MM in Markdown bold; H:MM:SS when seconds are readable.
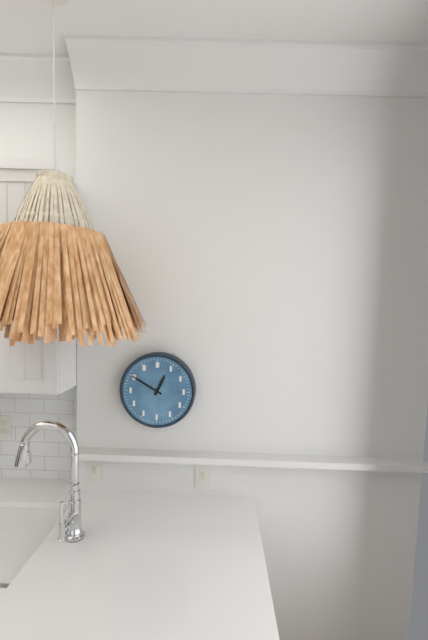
**12:50**
